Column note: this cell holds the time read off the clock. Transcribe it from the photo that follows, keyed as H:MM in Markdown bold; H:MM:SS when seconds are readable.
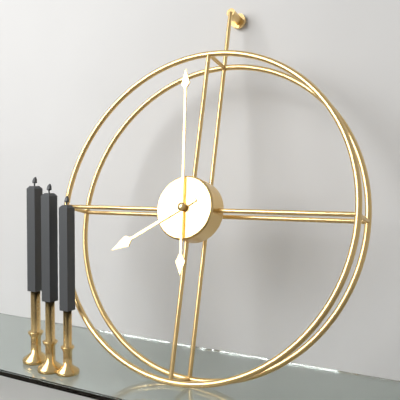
**7:59**
